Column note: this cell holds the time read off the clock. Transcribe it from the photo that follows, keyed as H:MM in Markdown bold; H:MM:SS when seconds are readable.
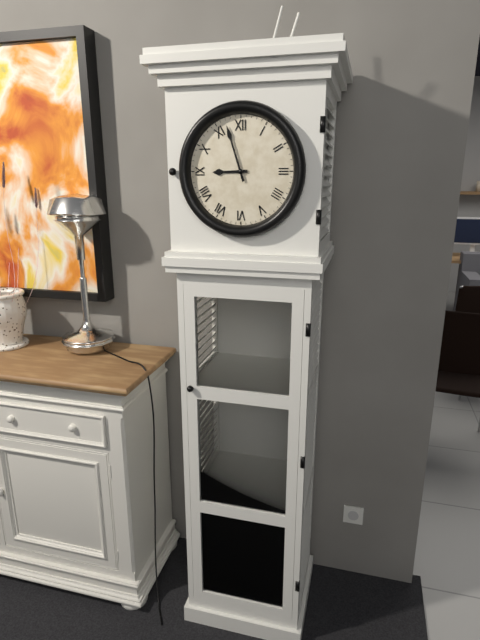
**8:57**
